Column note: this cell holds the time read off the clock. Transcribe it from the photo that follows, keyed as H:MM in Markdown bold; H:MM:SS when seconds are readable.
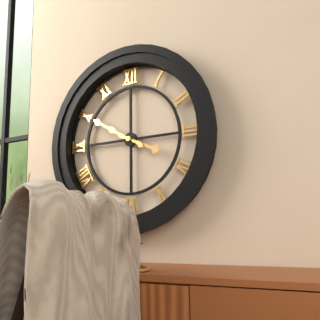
**3:50**
